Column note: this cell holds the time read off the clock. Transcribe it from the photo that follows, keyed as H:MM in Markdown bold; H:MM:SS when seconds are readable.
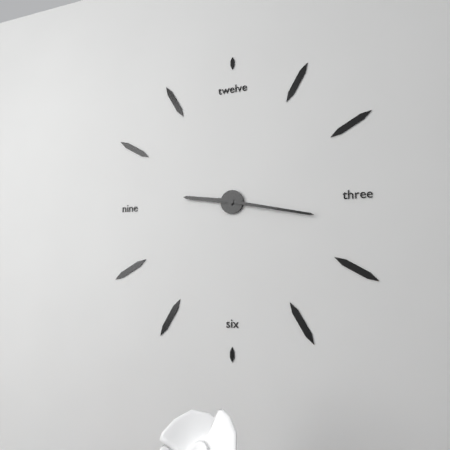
**9:17**
